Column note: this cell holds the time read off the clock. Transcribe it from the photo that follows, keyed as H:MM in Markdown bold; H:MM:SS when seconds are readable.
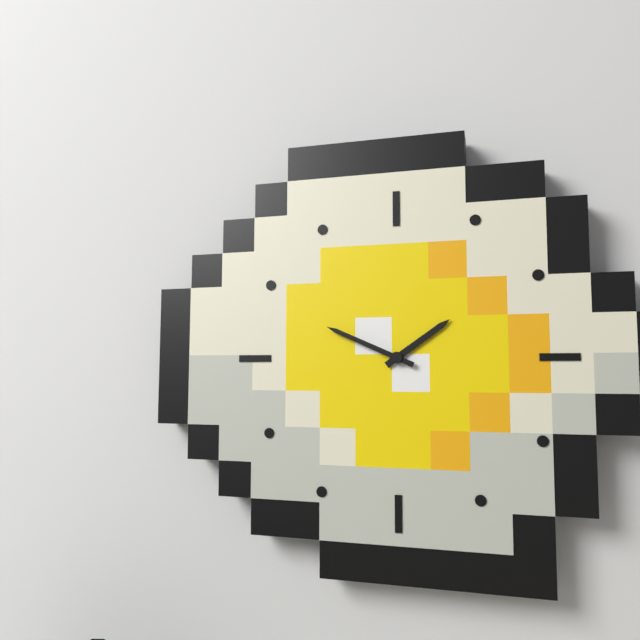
**1:49**
